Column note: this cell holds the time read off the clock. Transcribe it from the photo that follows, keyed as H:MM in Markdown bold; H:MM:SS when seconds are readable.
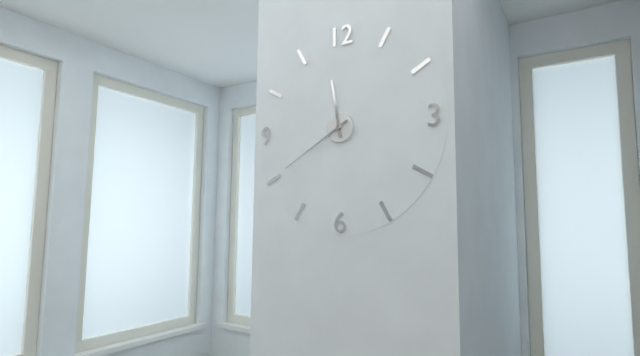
**11:40**
